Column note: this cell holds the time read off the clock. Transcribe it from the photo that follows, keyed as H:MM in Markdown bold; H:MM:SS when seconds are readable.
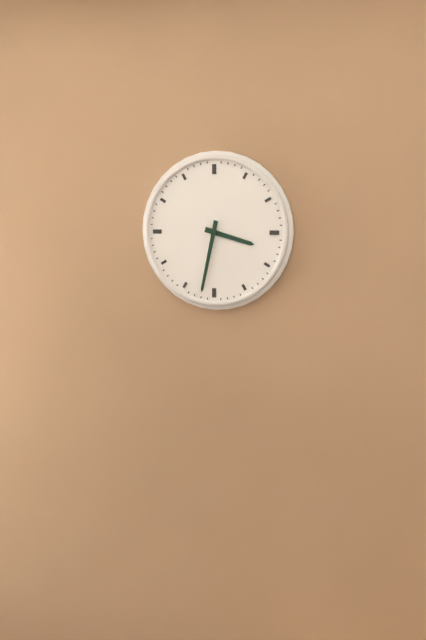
**3:32**
